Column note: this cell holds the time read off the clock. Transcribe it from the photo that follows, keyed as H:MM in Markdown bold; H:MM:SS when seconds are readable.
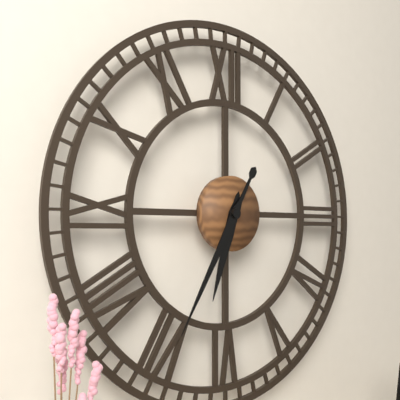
**6:35**
